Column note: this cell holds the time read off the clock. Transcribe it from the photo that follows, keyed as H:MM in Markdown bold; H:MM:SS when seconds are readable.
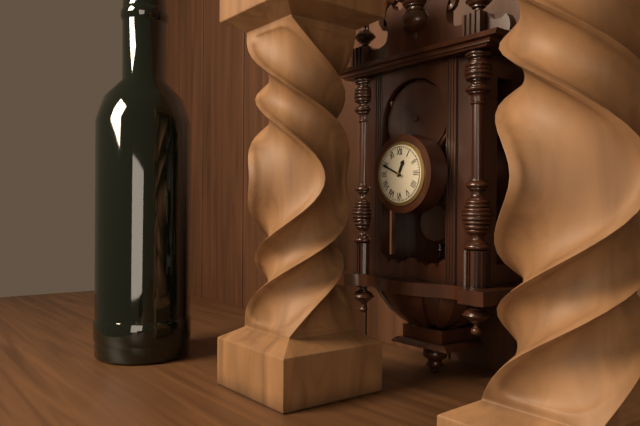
**12:49**
